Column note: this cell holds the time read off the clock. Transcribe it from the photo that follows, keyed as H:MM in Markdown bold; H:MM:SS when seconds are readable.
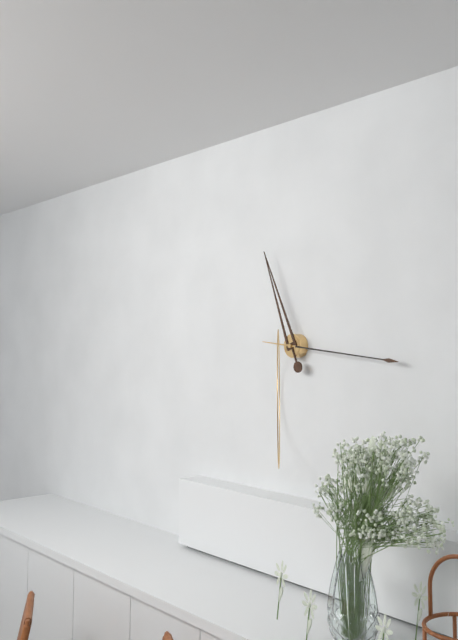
**11:16**
